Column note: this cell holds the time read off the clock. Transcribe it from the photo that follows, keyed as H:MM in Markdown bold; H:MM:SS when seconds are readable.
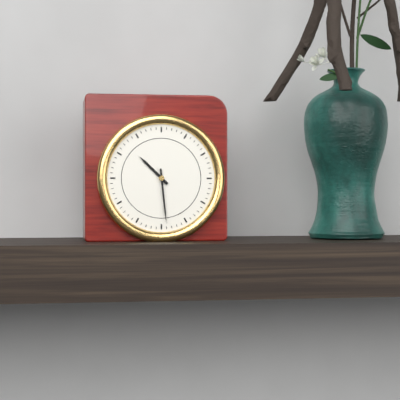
**10:29**
